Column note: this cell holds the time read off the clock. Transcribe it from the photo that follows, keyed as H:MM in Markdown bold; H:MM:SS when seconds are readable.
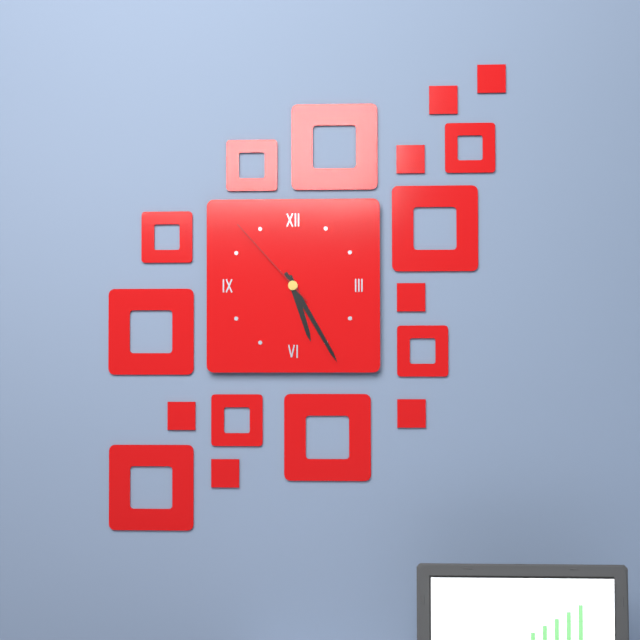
**5:25:53**
